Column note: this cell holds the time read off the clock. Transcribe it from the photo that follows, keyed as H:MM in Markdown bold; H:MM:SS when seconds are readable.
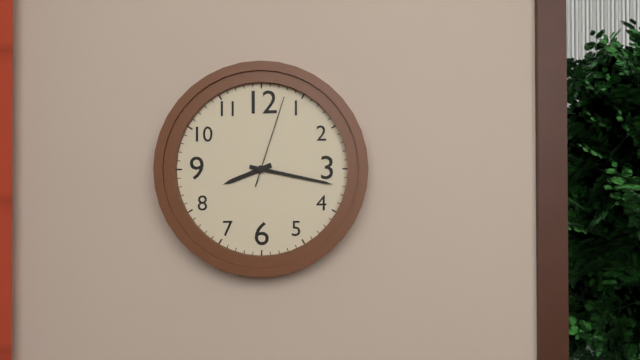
**8:17:03**
